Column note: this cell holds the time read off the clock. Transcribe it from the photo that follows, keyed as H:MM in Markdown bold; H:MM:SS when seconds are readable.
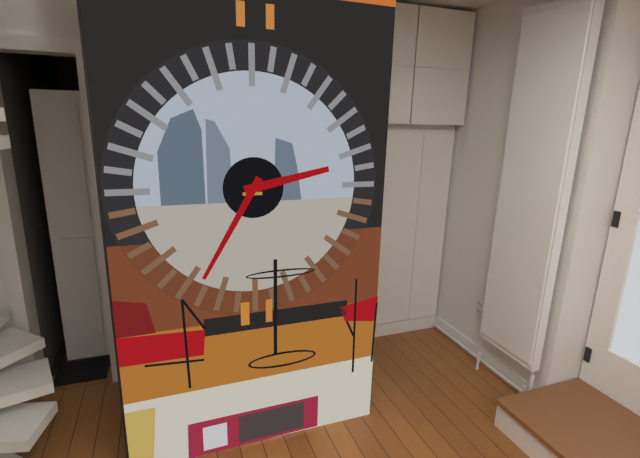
**2:35**
